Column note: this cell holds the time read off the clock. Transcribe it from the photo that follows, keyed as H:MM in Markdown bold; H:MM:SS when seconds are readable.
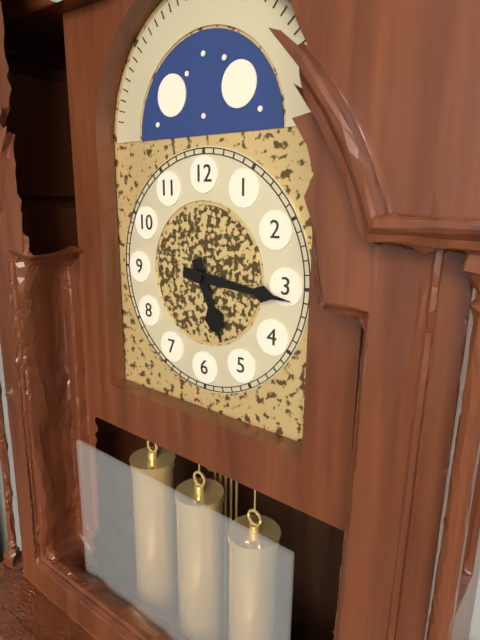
**5:16**
